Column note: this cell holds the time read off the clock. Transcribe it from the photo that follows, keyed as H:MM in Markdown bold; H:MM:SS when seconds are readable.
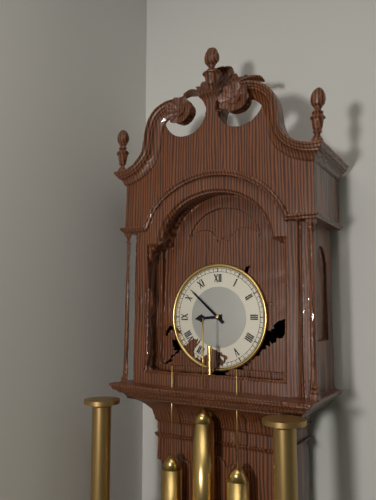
**8:52**
